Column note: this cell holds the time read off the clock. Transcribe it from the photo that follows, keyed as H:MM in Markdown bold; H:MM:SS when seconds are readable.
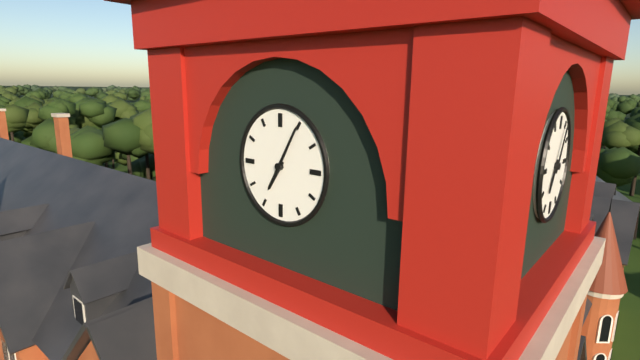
**7:05**
